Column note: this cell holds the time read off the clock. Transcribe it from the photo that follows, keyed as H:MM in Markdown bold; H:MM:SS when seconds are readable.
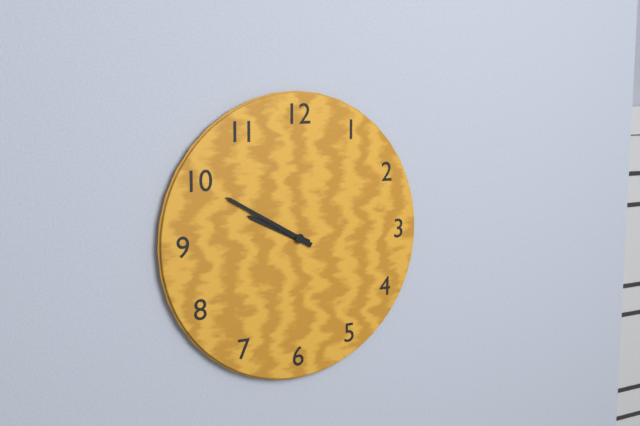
**9:50**
